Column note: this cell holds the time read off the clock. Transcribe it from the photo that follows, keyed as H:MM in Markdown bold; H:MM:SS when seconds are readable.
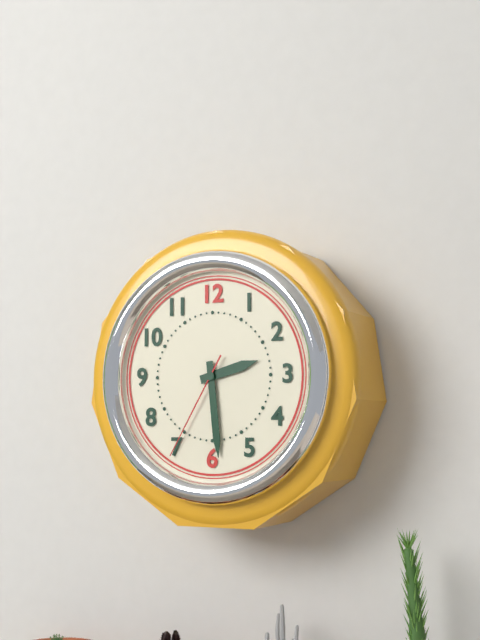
**2:29:35**
